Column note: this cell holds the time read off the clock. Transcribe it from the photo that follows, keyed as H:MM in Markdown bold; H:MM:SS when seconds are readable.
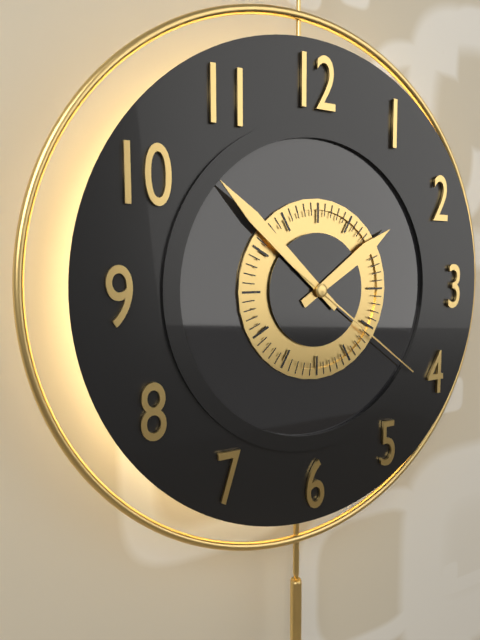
**1:52:21**
